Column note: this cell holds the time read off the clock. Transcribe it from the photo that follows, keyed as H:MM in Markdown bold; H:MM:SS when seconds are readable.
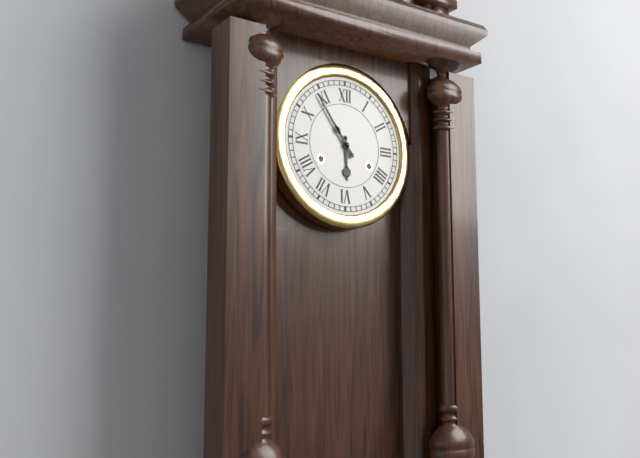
**5:54**
